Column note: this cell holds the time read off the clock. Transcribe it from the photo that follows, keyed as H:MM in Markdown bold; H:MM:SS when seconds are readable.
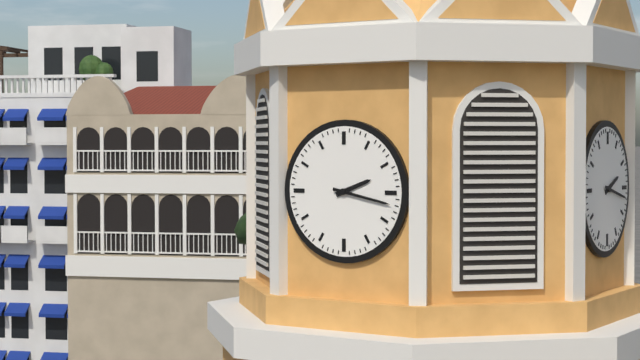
**2:17**
